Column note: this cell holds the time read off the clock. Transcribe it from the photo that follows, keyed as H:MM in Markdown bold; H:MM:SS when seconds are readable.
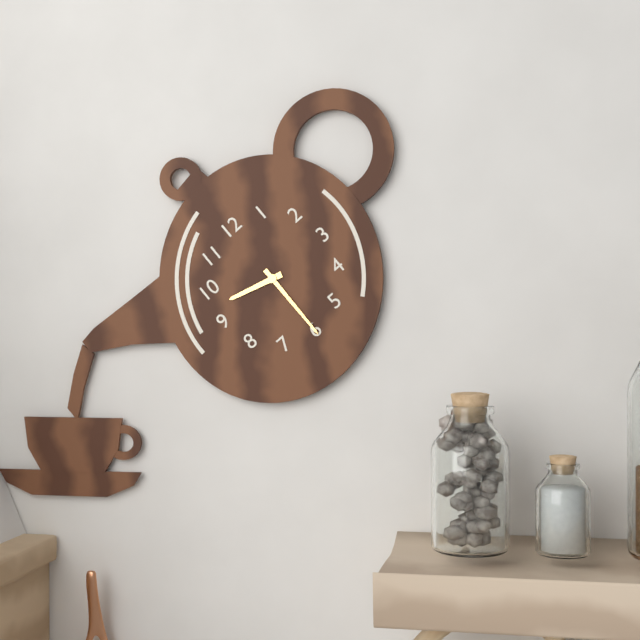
**9:30**
